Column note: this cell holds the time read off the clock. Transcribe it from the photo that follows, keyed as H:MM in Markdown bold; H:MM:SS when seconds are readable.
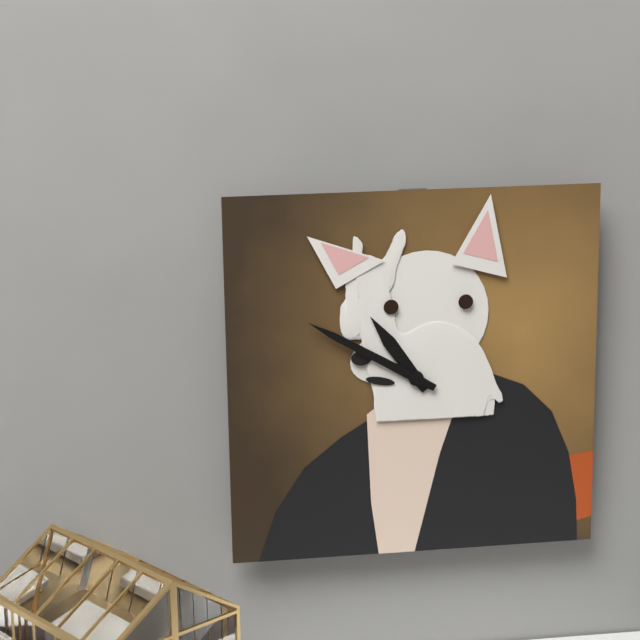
**10:50**
